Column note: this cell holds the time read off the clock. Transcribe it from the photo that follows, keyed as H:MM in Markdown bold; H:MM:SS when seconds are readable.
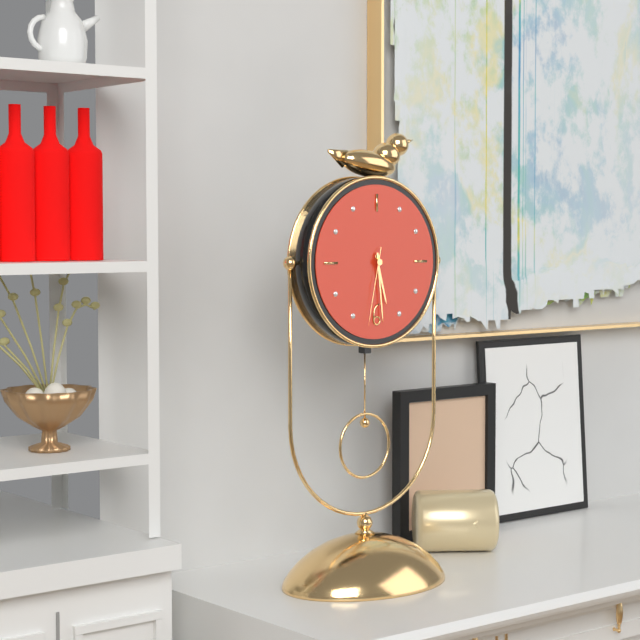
**5:29:32**
